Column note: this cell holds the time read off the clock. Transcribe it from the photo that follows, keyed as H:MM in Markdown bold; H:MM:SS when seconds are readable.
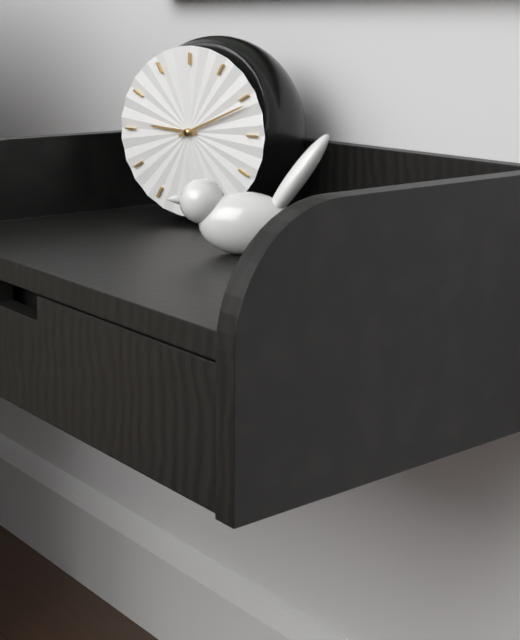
**9:11**
